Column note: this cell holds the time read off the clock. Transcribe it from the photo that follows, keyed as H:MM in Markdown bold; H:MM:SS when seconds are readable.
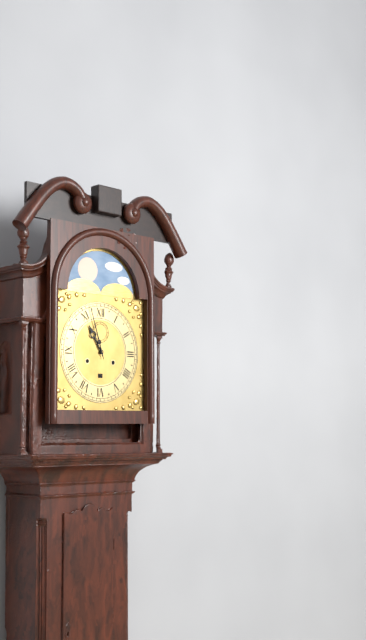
**10:57**
